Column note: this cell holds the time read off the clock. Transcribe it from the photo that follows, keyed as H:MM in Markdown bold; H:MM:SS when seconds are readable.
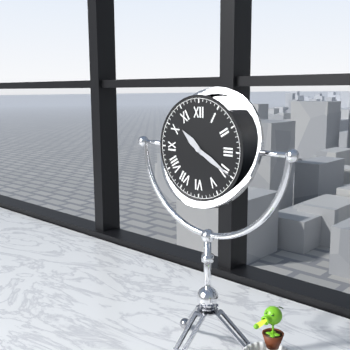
**10:20**
